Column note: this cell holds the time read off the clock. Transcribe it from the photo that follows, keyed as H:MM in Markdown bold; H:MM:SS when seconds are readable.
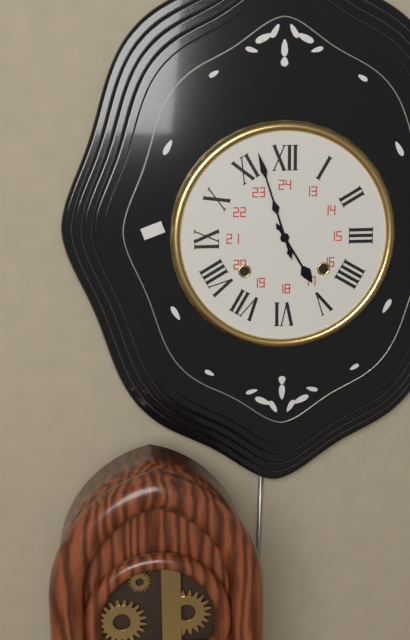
**4:57**
